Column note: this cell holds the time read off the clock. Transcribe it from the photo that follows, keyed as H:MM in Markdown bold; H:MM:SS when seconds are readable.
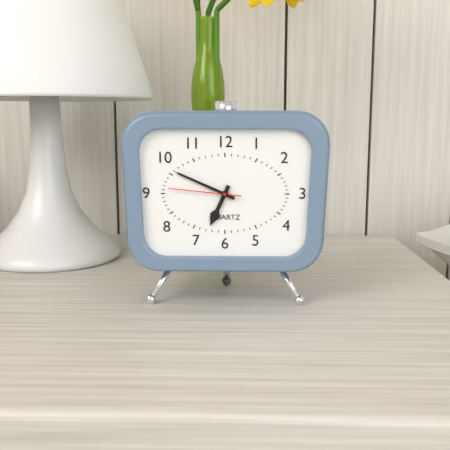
**6:49:46**
